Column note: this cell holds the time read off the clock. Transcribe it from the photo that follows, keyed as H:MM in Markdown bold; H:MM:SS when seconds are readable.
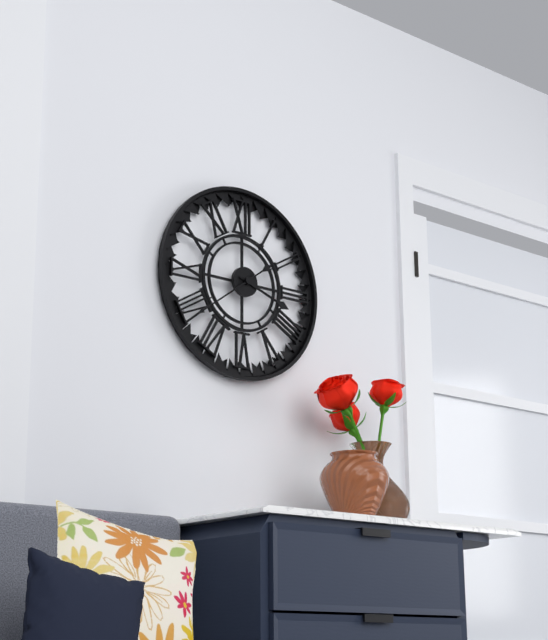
**3:39**
